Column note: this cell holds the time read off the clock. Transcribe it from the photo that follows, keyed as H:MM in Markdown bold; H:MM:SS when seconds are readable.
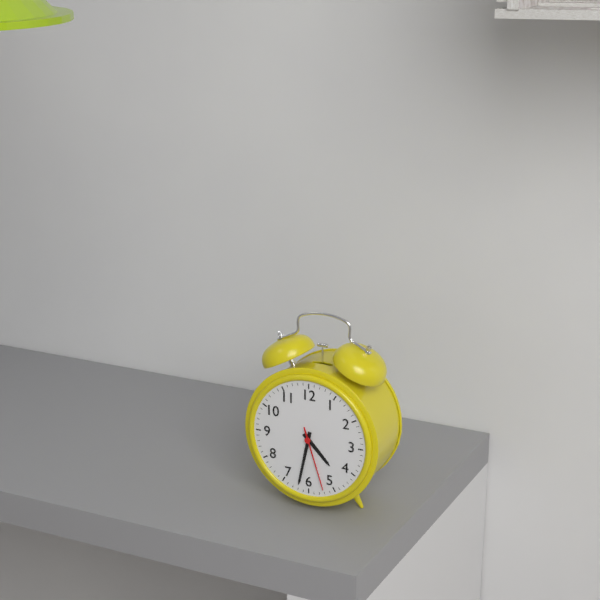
**4:32:27**
